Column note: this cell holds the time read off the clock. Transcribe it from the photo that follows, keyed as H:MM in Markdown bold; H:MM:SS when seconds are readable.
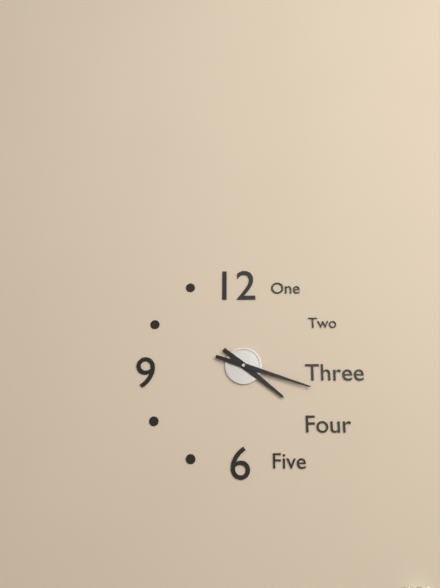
**4:18**
